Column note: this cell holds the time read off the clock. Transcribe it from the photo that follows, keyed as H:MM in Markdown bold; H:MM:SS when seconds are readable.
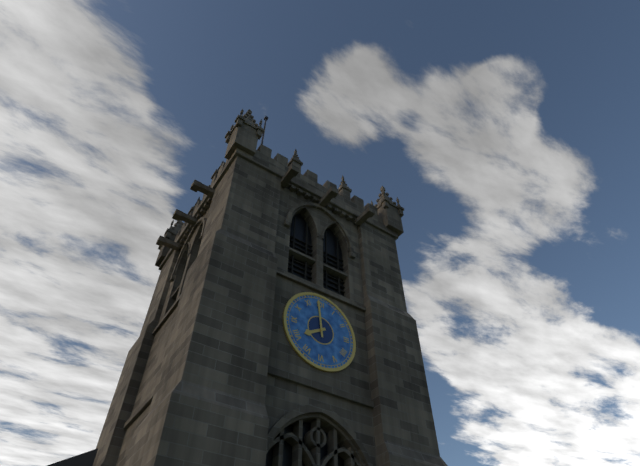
**7:59**
